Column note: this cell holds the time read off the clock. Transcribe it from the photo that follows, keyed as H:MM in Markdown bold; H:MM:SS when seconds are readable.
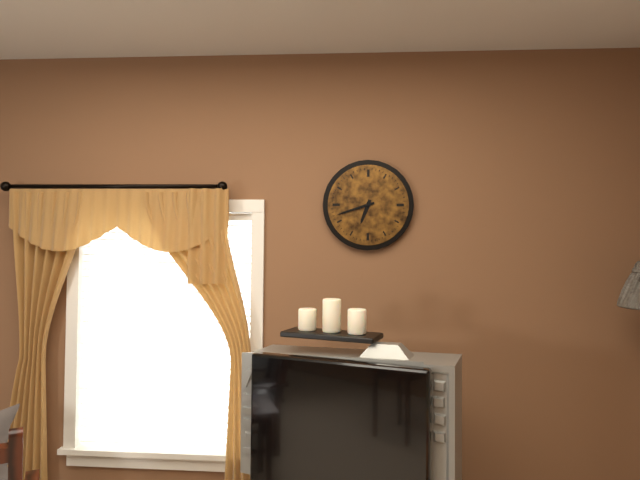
**6:42**
